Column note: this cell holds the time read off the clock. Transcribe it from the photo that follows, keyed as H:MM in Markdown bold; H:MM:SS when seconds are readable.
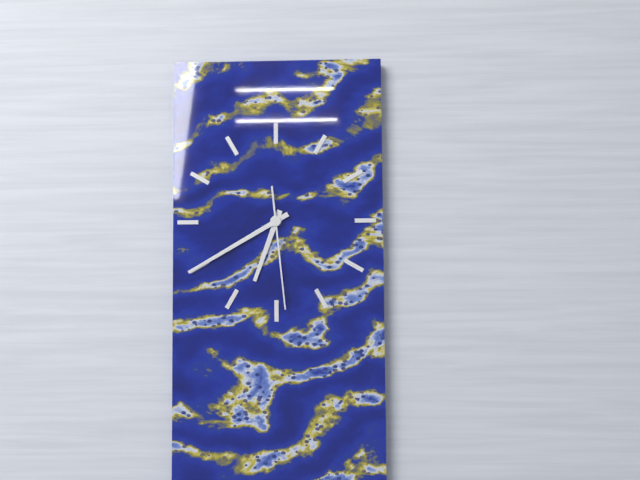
**6:40:29**
